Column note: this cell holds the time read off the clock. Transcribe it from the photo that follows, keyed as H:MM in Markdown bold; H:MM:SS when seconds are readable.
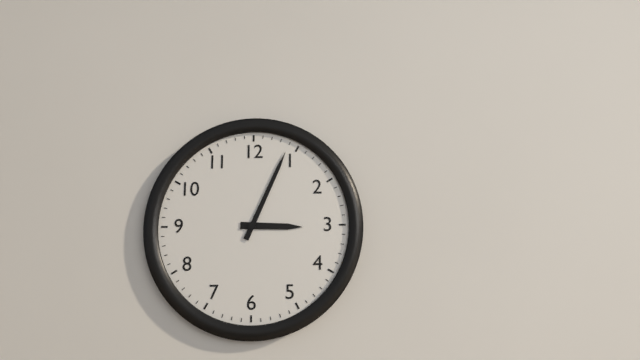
**3:04**
